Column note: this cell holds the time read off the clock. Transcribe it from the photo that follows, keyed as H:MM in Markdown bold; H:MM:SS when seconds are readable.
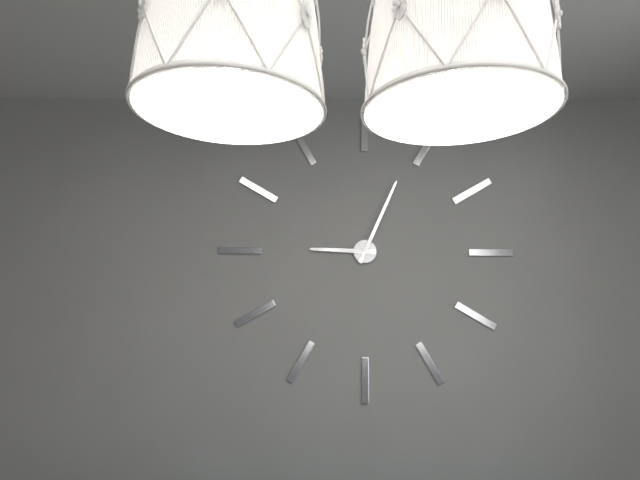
**9:04**
